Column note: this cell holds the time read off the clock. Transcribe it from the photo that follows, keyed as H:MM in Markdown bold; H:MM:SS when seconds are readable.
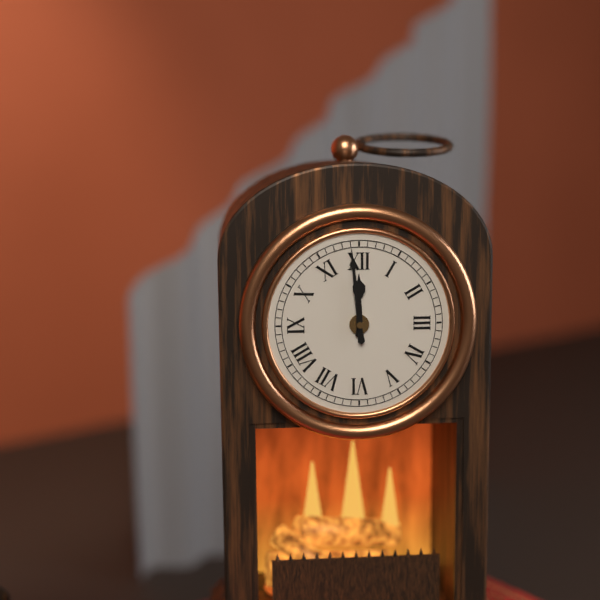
**11:59**
